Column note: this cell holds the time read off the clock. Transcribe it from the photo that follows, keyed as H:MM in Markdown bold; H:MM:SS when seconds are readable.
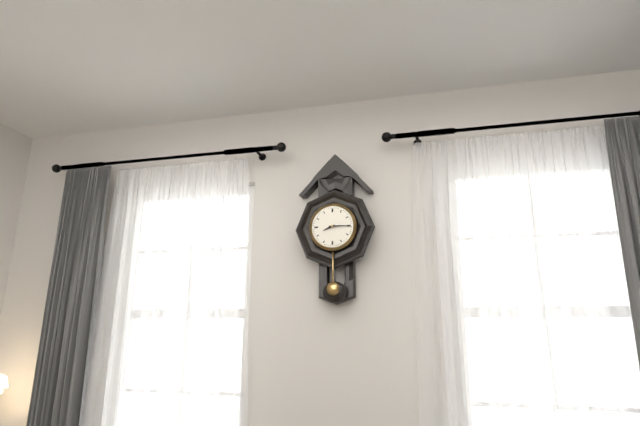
**8:15**
